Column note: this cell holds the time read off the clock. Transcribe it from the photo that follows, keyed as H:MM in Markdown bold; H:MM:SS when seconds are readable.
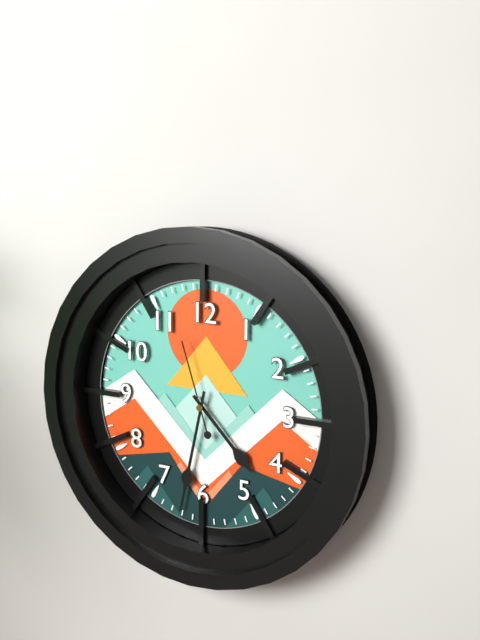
**4:32:57**
